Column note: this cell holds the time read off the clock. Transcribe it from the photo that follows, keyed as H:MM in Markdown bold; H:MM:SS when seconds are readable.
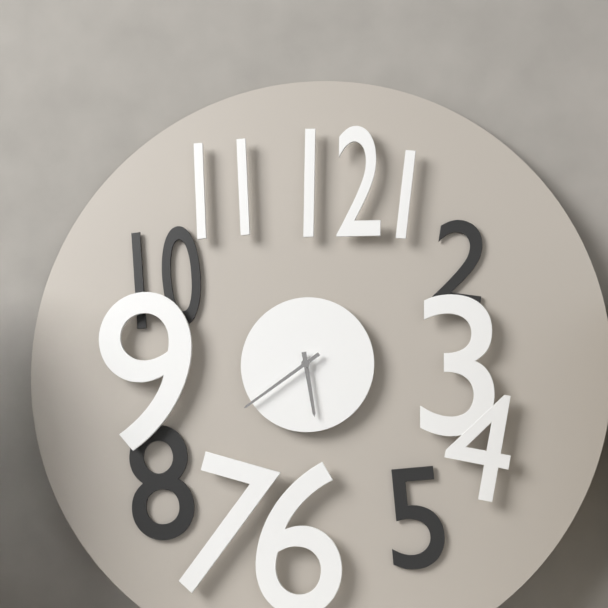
**5:39**
